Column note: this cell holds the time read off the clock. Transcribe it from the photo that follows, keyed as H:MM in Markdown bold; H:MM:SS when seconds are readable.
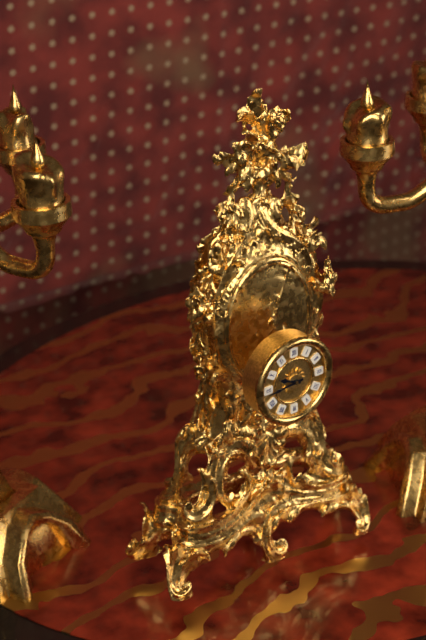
**9:44**
